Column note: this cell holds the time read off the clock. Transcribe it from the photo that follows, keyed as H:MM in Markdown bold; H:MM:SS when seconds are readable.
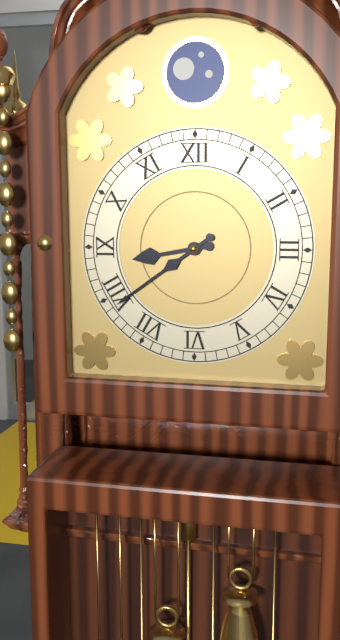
**8:39**
